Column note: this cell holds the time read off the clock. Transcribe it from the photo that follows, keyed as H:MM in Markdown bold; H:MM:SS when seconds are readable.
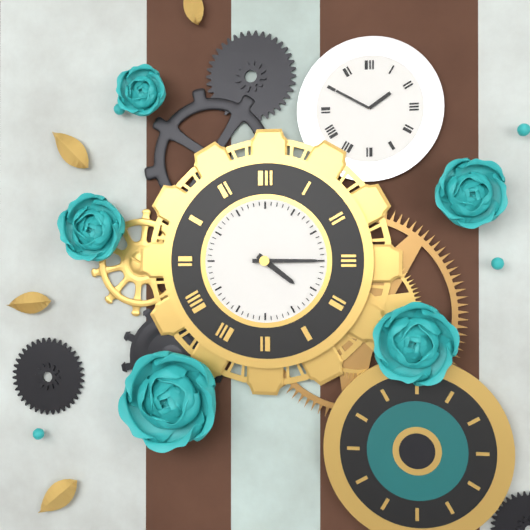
**4:15**
